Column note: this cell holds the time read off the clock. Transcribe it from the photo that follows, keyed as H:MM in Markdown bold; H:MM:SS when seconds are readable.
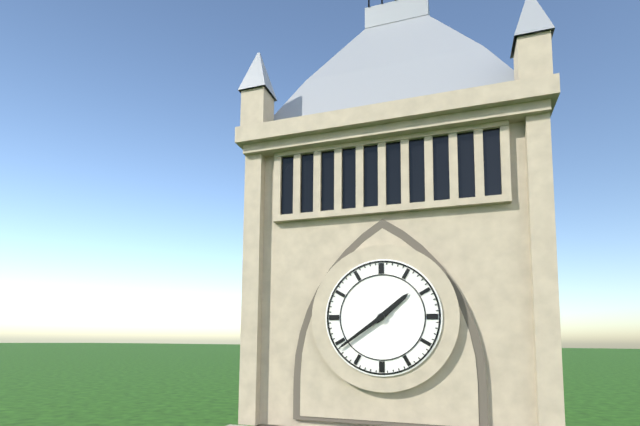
**1:39**
